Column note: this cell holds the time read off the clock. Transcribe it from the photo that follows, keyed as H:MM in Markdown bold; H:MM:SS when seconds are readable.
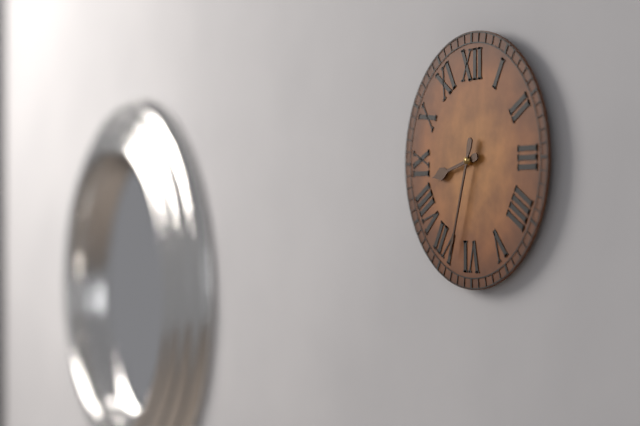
**8:33**
